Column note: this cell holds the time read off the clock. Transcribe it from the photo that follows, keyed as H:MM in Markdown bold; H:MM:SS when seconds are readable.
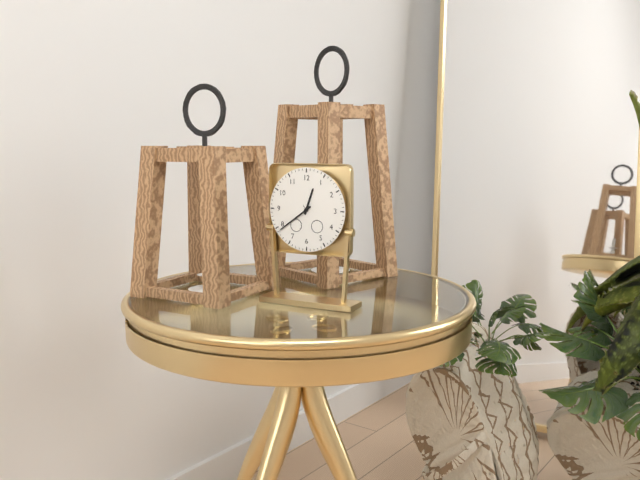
**12:39**
